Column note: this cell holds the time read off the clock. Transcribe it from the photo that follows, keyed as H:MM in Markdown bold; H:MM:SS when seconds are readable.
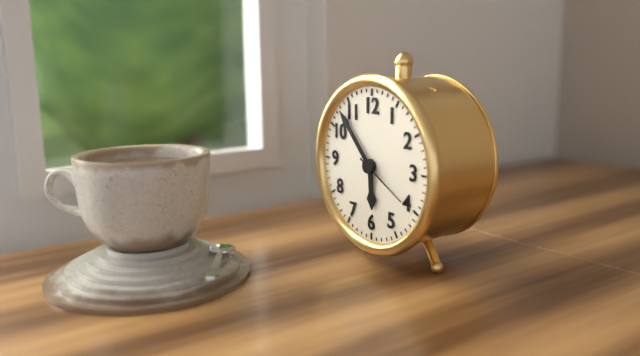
**5:53:20**
